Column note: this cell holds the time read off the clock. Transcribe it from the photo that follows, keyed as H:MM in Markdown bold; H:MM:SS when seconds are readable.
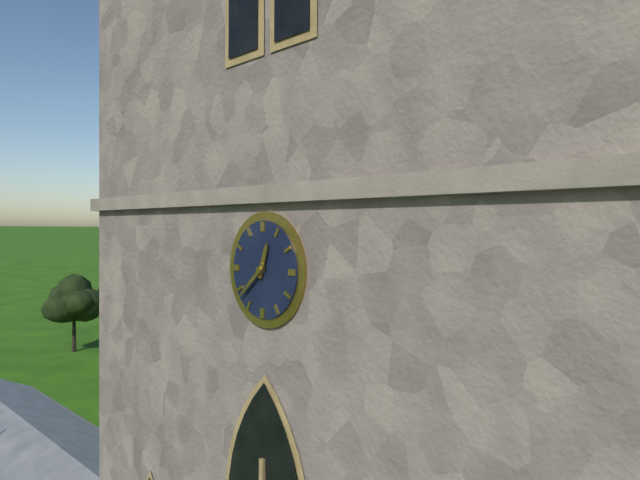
**12:38**
